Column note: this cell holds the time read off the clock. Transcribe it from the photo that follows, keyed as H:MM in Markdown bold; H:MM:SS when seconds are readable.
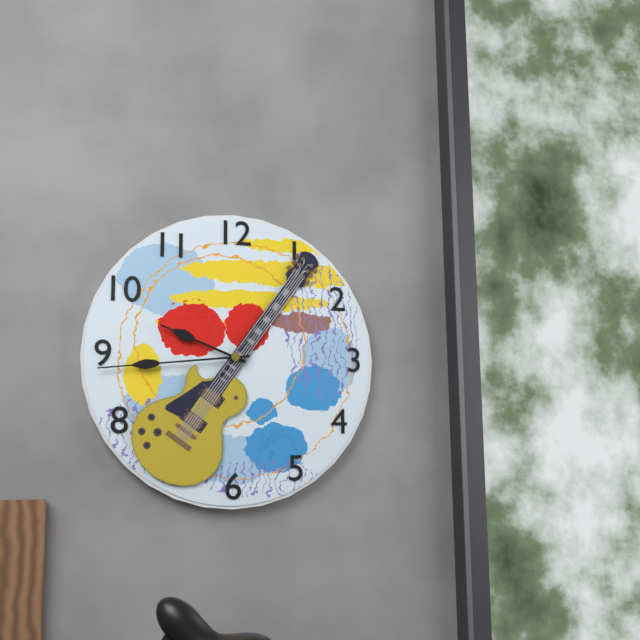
**9:44:06**
